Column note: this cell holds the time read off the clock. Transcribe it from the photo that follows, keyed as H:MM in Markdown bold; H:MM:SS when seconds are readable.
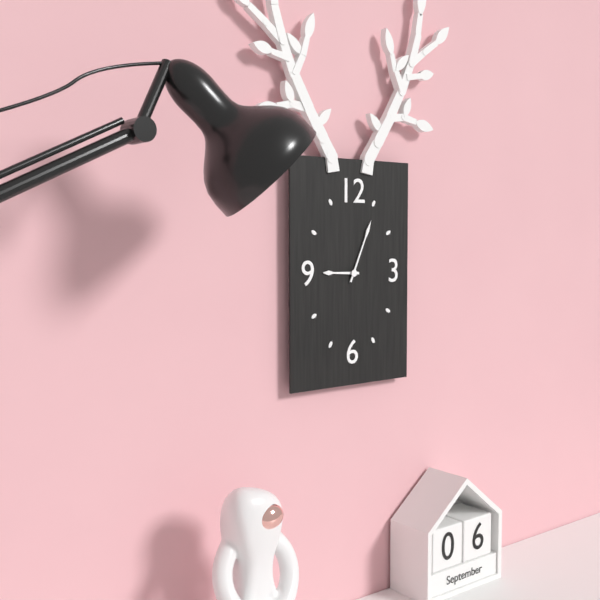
**9:04**
